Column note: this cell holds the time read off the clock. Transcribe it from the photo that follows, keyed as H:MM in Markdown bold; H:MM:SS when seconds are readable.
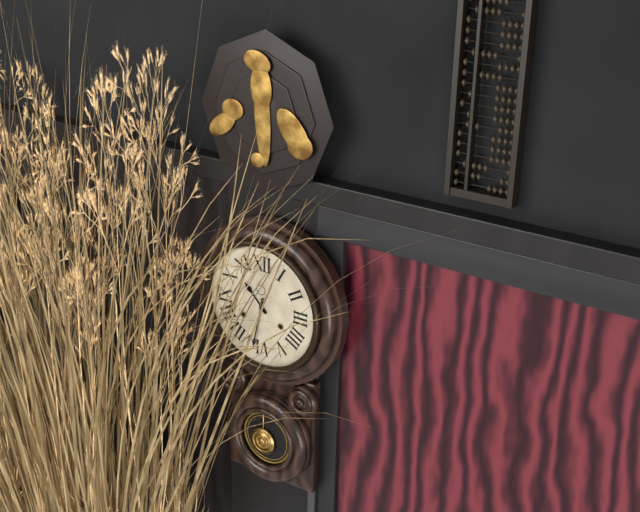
**10:32**
